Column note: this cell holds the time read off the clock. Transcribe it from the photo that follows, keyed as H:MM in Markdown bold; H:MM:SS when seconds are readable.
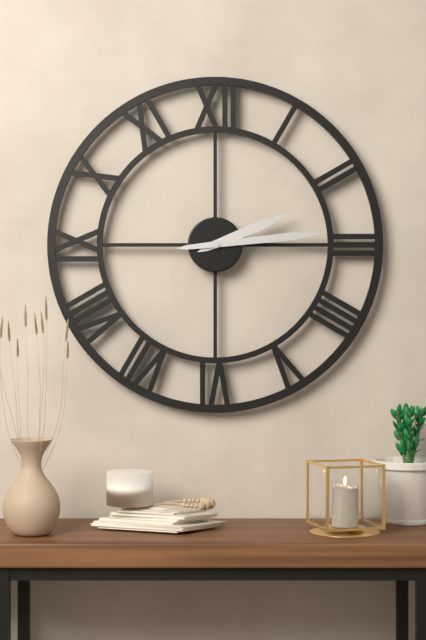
**2:14**
